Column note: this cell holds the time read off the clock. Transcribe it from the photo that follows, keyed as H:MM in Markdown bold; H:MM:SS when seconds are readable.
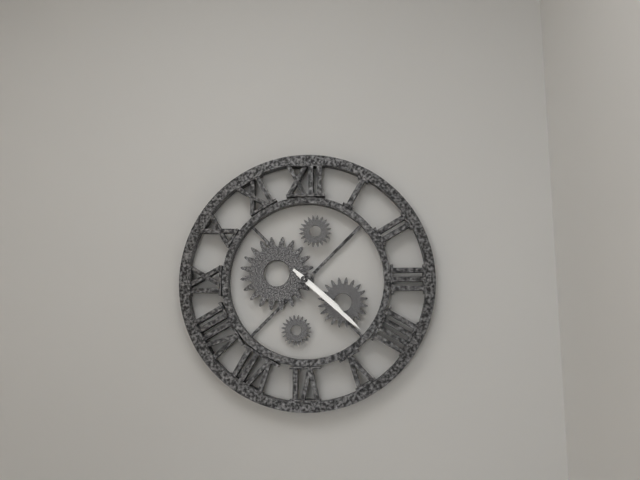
**4:22**
